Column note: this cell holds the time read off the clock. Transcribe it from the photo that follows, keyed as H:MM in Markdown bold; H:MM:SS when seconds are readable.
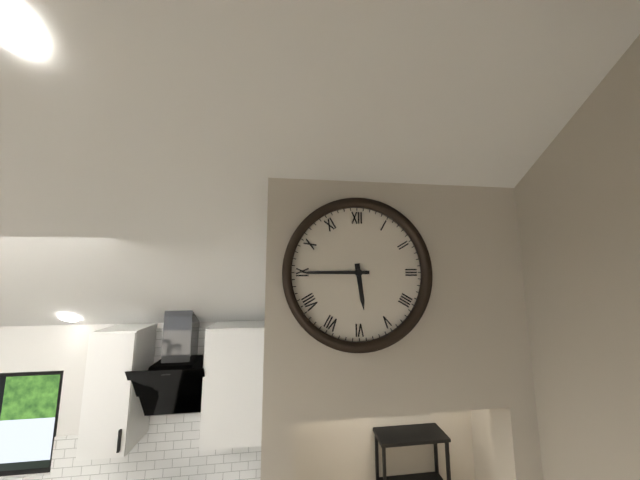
**5:45**
